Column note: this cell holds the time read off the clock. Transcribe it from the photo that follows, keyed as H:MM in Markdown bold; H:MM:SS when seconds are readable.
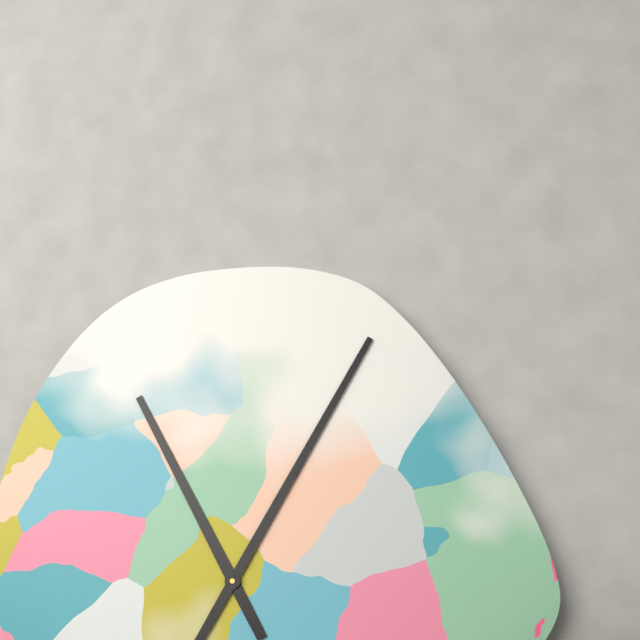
**11:05**
